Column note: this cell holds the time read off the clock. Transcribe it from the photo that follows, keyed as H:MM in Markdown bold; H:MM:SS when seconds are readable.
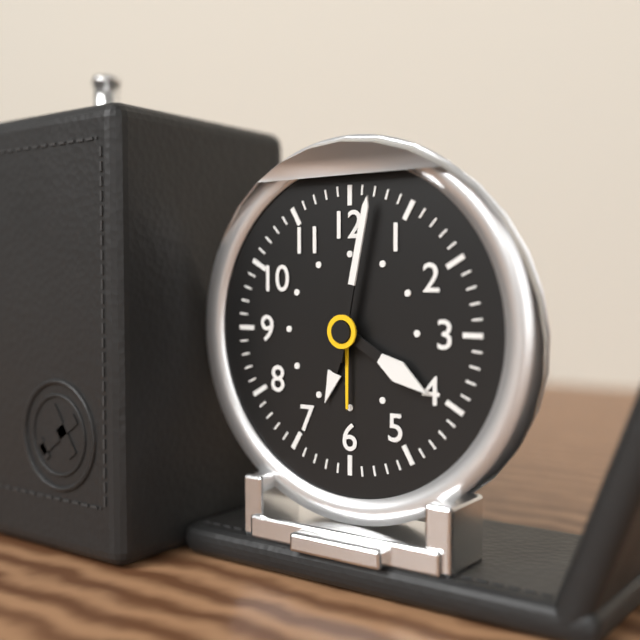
**4:02**
